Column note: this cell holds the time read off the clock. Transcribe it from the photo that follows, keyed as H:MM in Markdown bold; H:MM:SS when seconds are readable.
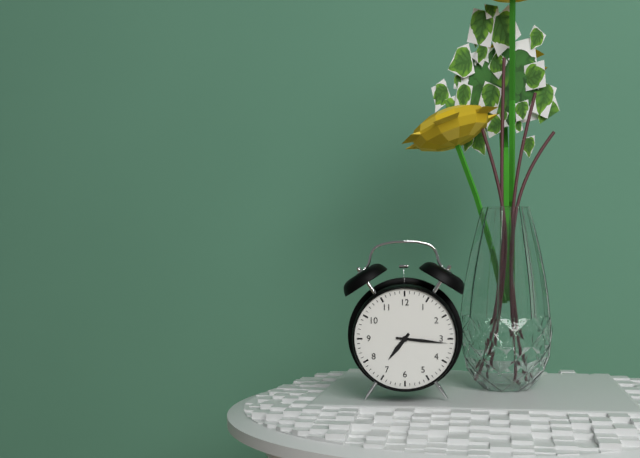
**7:16**
